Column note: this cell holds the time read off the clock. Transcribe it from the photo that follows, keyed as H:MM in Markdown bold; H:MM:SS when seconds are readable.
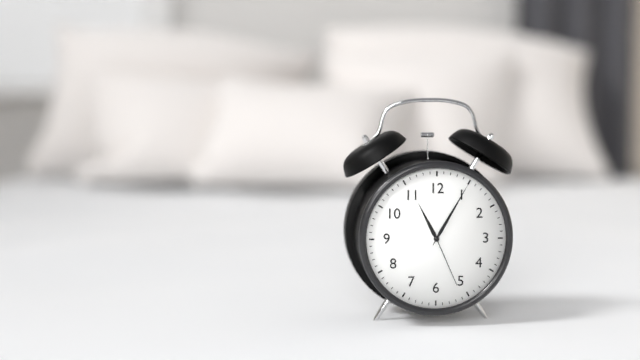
**11:05:26**
